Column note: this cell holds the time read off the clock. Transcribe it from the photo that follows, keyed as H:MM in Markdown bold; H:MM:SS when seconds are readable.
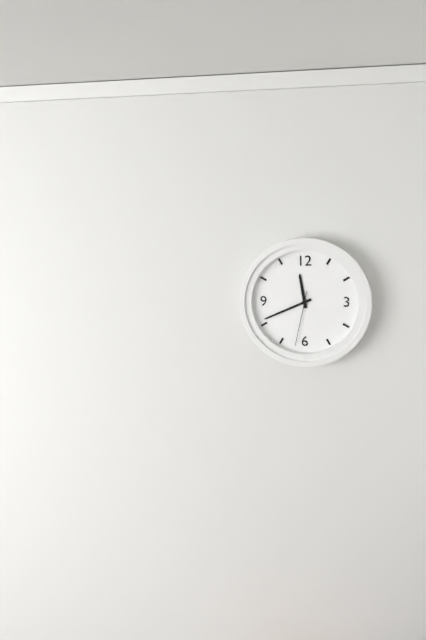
**11:41:32**
